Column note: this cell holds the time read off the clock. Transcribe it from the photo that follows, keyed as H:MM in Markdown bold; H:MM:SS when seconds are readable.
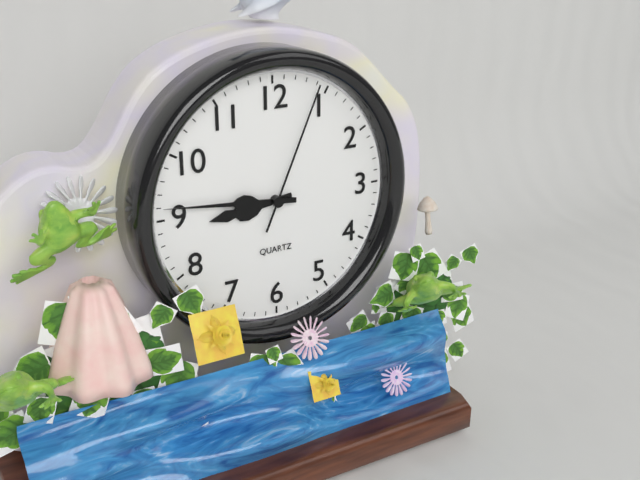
**8:46:04**
